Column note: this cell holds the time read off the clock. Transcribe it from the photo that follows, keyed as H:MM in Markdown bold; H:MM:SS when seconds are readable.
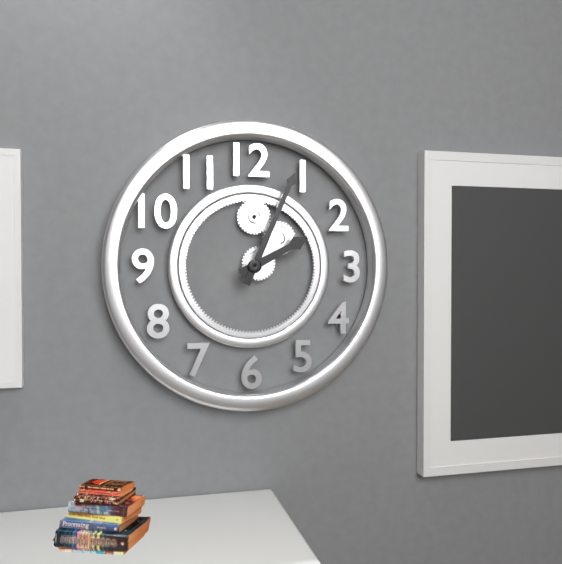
**2:04**
